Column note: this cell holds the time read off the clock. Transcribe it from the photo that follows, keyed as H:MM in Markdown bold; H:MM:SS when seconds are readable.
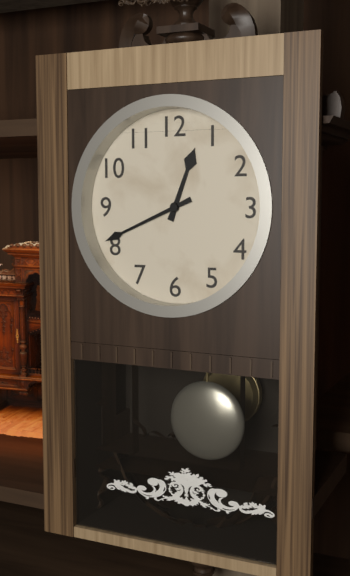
**12:41**
